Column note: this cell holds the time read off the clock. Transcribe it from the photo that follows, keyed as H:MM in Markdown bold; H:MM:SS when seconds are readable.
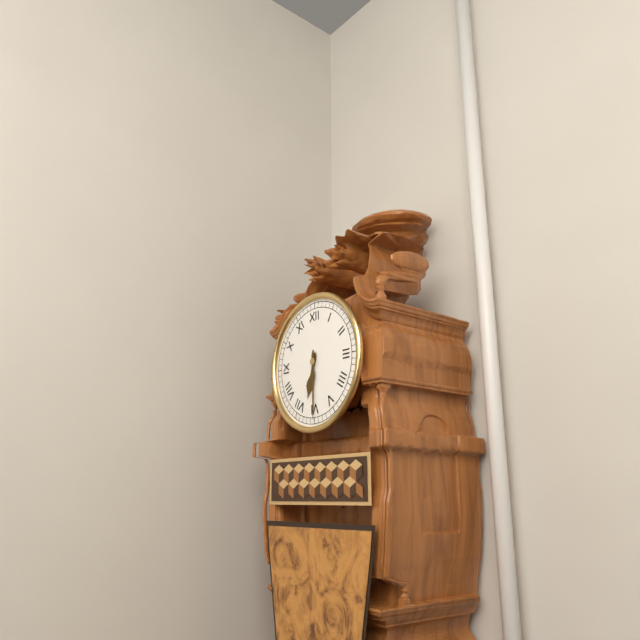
**6:30**
